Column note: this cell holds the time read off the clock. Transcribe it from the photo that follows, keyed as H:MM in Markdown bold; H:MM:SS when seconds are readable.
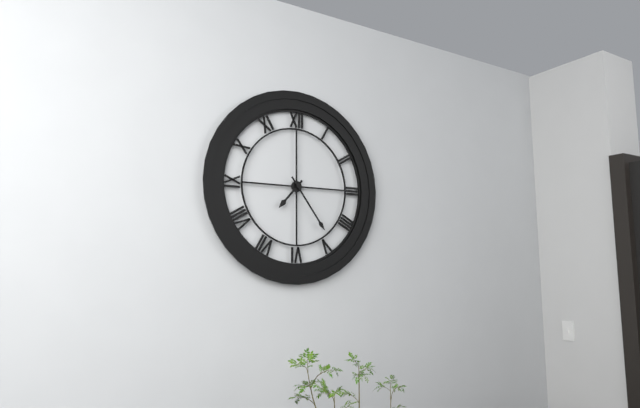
**7:24**
